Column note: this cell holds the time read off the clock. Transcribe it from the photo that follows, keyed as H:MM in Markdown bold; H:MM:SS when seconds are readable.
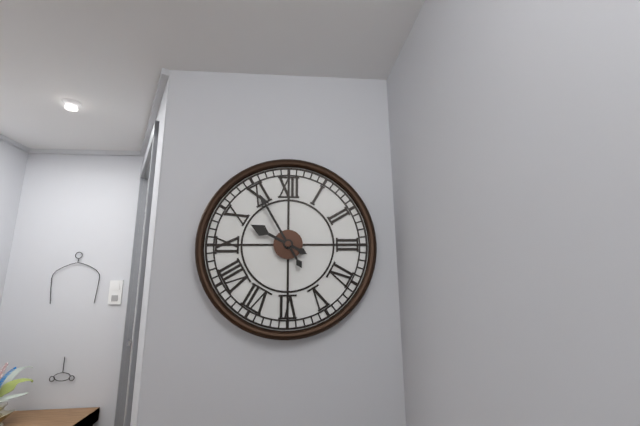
**9:55**
